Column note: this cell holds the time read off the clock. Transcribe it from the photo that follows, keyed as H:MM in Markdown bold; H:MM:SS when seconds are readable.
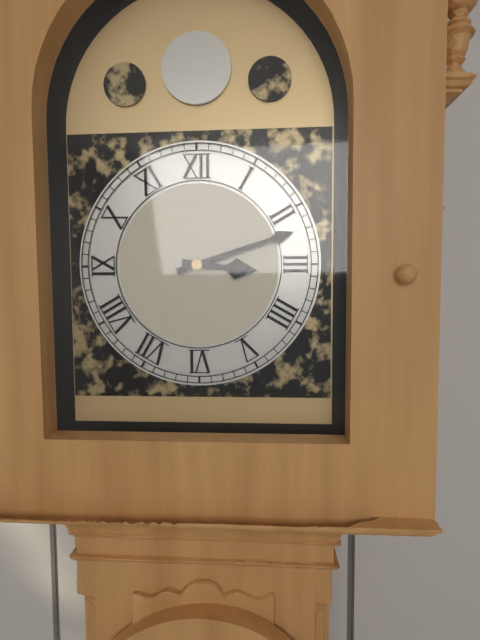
**3:12**
